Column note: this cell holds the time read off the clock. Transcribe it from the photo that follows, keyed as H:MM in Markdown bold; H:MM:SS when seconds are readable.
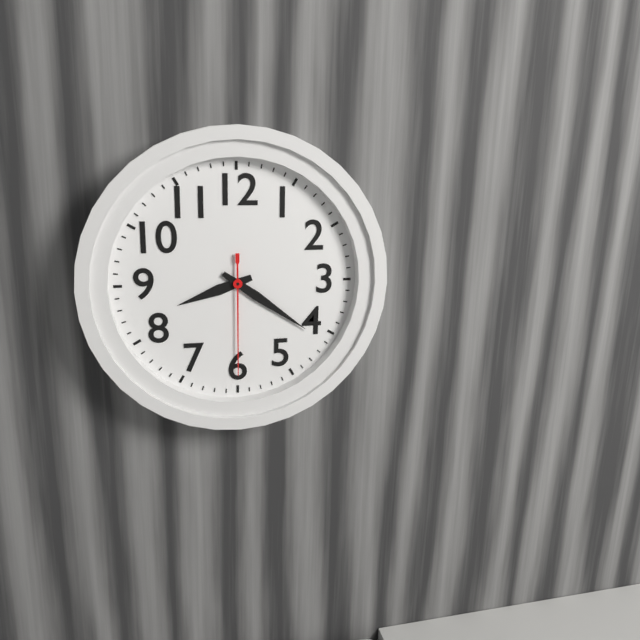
**8:21:30**
